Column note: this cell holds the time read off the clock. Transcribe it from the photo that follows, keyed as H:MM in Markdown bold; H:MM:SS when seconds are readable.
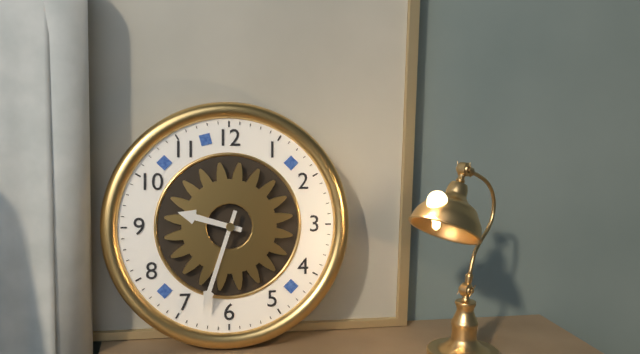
**9:33**
